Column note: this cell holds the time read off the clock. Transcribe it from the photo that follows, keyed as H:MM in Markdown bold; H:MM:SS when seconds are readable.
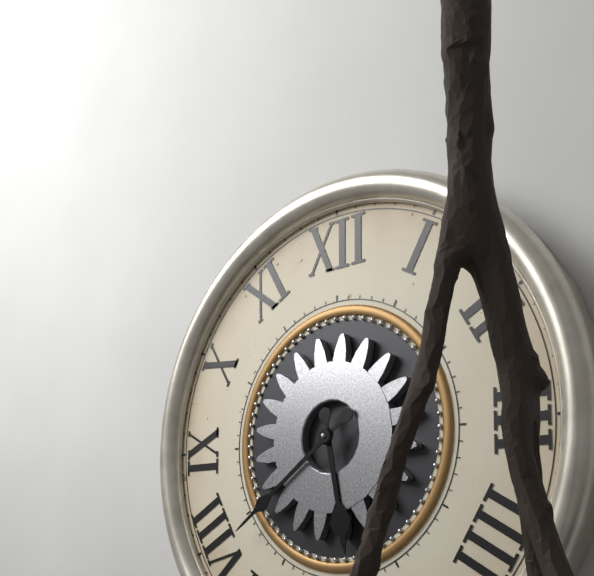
**5:39**
